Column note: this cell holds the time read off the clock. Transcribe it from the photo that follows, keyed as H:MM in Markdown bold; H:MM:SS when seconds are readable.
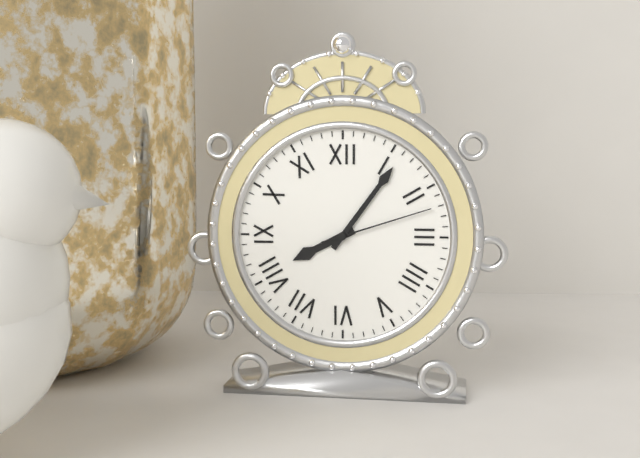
**8:06:12**
